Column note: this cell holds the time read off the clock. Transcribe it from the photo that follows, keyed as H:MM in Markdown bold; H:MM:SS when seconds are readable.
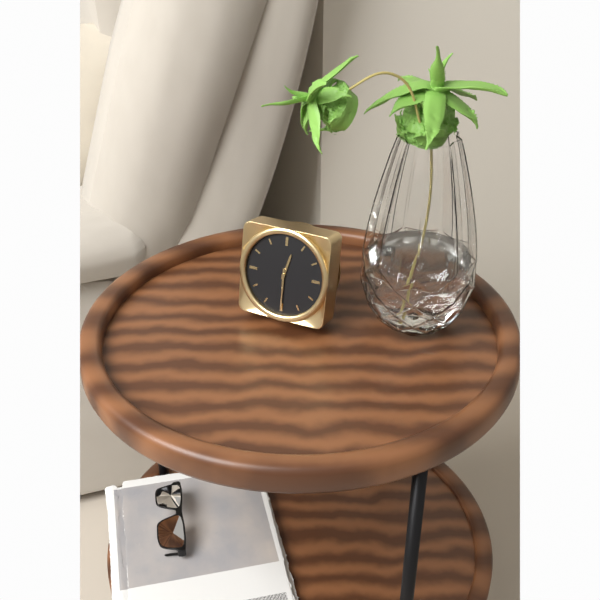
**12:30**
